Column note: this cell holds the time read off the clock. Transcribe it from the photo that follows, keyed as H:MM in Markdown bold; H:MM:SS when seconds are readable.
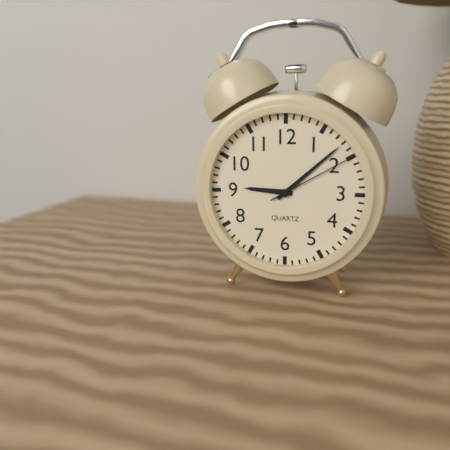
**9:08:10**
